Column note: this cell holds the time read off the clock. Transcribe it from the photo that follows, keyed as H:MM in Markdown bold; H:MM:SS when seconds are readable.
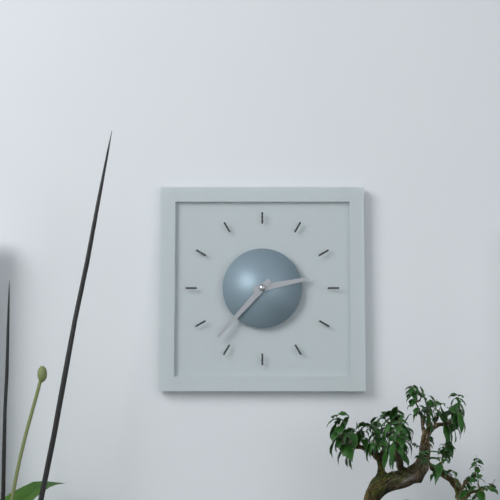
**2:37**
